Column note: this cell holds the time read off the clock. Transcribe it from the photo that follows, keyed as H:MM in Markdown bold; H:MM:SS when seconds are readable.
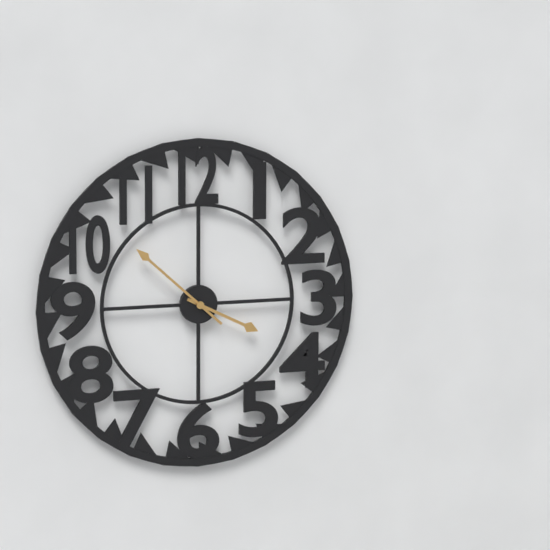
**3:52**
